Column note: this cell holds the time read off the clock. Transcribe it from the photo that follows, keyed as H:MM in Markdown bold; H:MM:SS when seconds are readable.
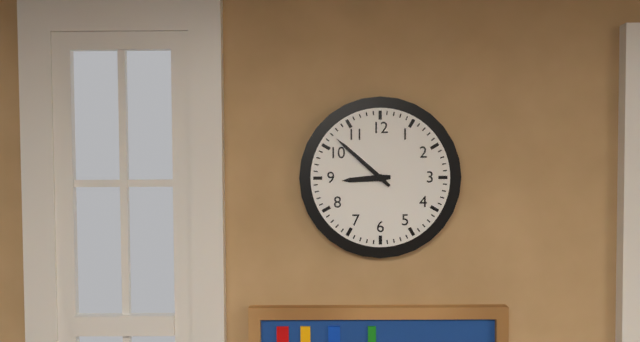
**8:52**
